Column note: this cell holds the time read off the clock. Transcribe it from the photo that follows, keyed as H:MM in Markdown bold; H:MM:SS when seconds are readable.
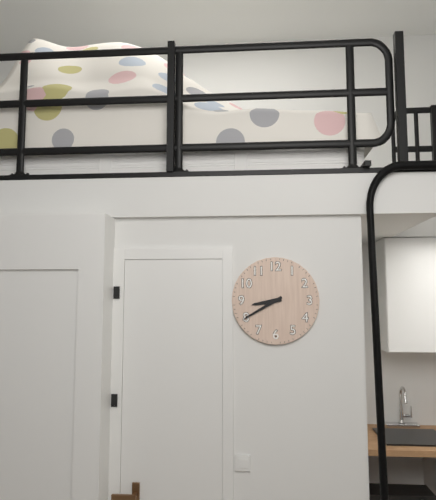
**8:40**
